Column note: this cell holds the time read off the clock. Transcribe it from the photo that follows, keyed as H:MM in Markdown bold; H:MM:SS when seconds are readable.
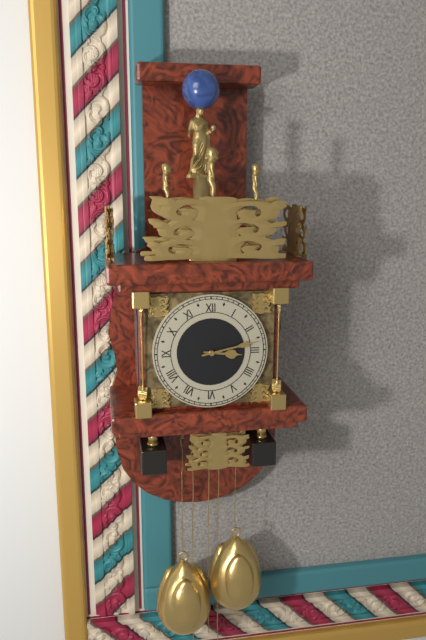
**3:13**
